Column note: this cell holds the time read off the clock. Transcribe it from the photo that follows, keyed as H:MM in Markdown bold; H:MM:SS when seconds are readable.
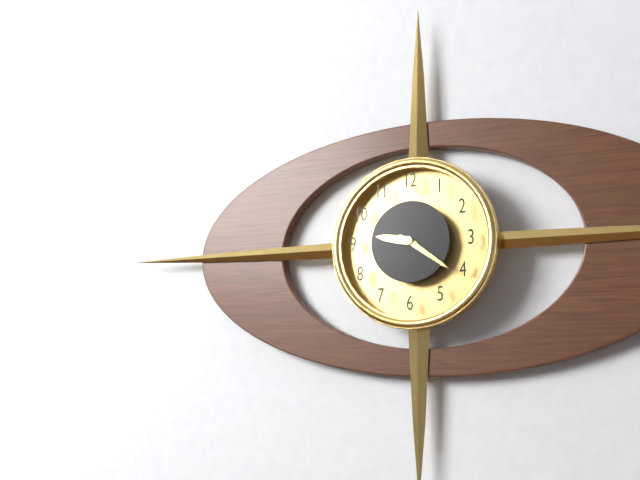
**9:21**
